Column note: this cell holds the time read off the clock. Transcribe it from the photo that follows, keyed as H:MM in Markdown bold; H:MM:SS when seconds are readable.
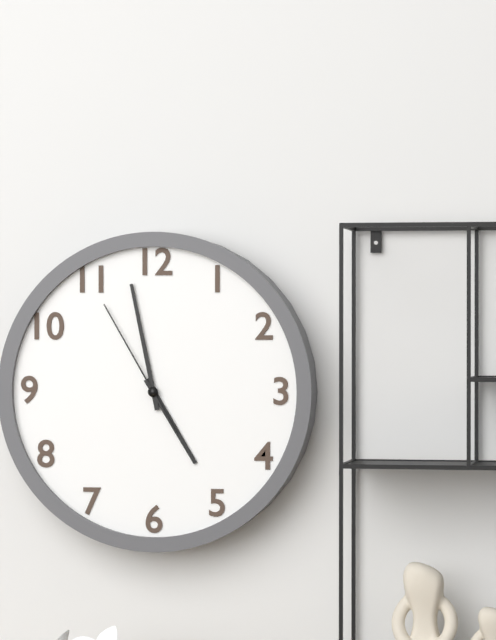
**4:58:55**
